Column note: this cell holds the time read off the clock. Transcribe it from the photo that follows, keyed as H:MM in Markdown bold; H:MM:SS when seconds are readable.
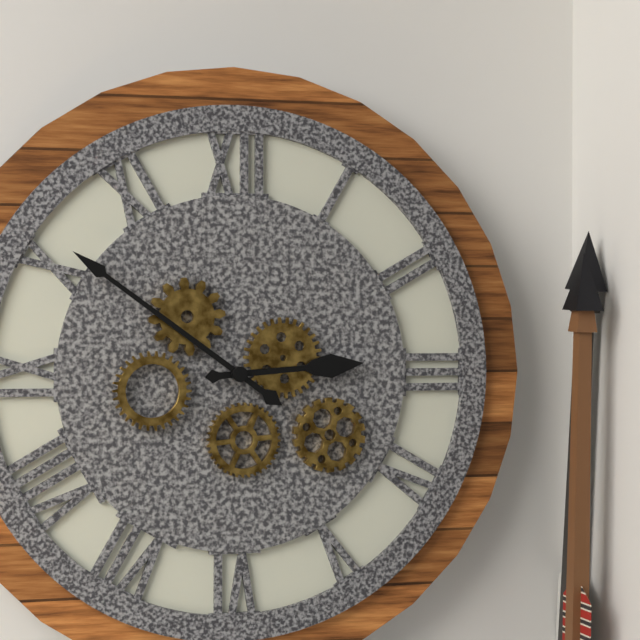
**2:51**
